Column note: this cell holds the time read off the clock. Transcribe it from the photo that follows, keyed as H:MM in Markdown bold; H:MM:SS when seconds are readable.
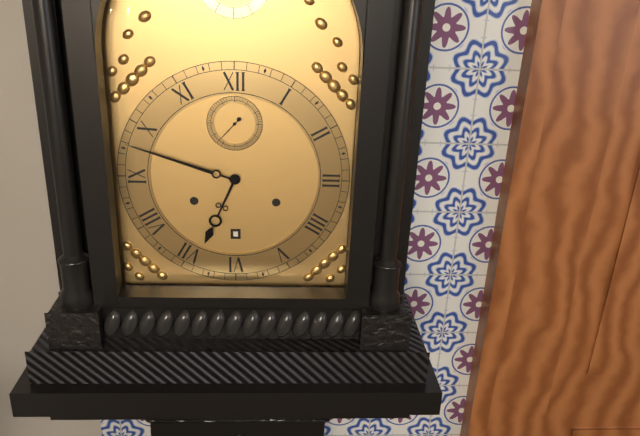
**6:48**
